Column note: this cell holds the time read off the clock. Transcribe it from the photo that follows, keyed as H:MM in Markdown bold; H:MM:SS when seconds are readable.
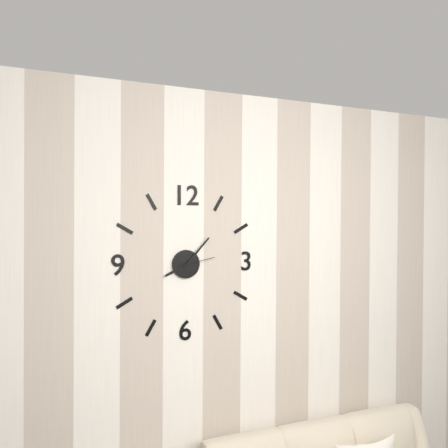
**8:07**
